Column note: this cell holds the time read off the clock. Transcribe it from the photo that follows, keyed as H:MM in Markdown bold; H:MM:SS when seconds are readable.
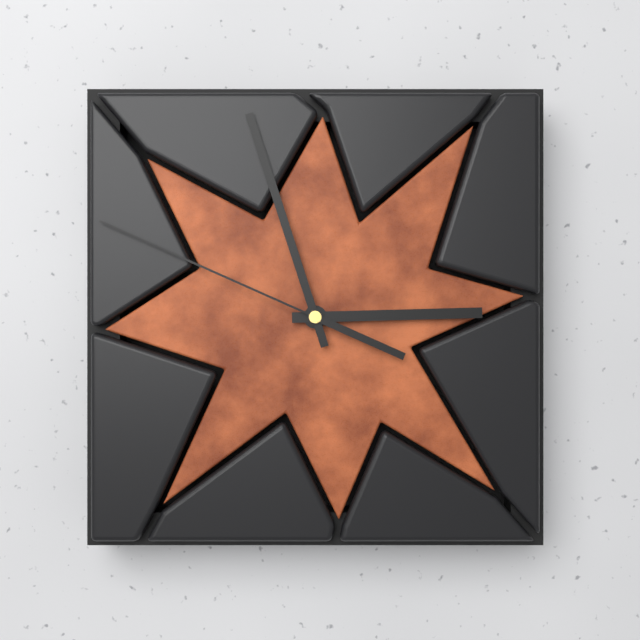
**2:57:49**
